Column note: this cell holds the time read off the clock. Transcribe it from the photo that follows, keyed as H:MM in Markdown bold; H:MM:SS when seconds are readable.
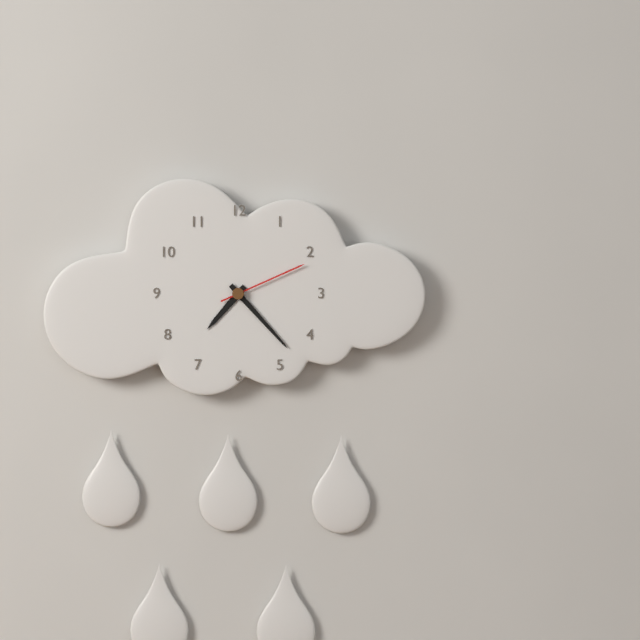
**7:23:11**
